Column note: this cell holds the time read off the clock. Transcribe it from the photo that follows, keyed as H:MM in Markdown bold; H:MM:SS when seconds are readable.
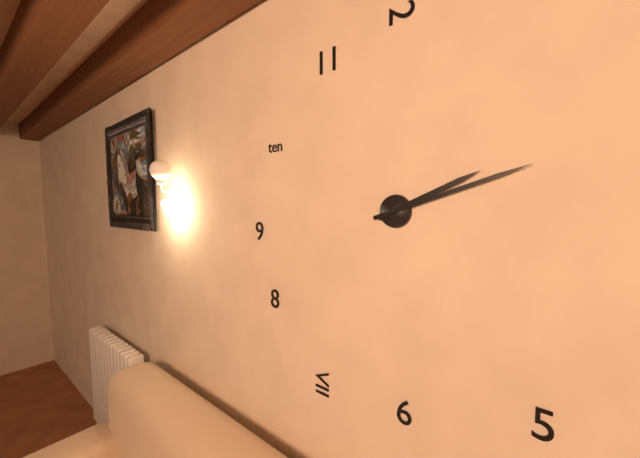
**2:12**
